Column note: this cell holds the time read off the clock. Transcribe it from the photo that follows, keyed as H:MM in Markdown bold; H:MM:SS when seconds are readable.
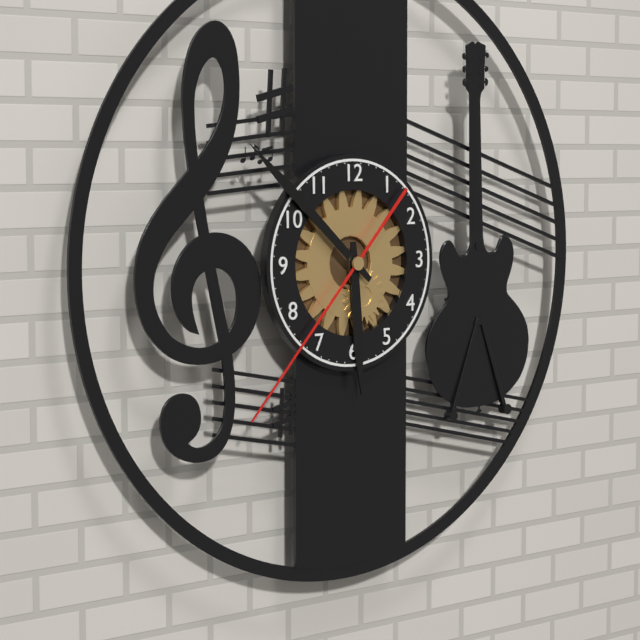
**5:52:37**
